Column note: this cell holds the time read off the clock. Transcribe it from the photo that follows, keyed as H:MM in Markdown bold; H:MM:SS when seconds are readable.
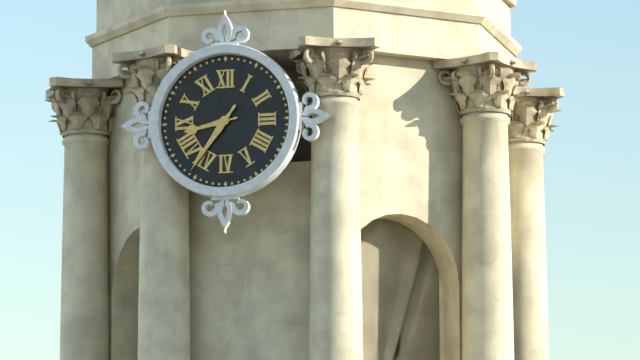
**8:36**
